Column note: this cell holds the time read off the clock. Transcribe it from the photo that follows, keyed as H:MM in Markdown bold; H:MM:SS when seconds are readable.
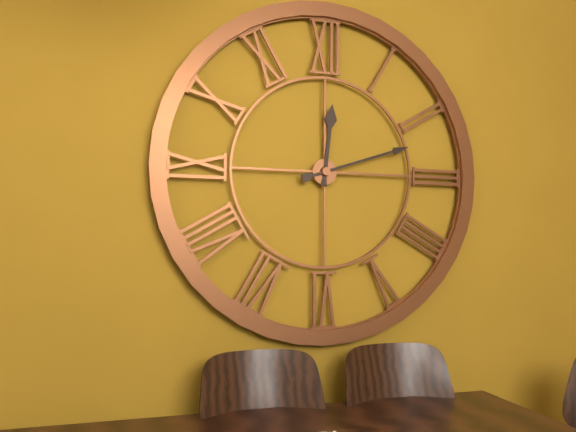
**12:12**
